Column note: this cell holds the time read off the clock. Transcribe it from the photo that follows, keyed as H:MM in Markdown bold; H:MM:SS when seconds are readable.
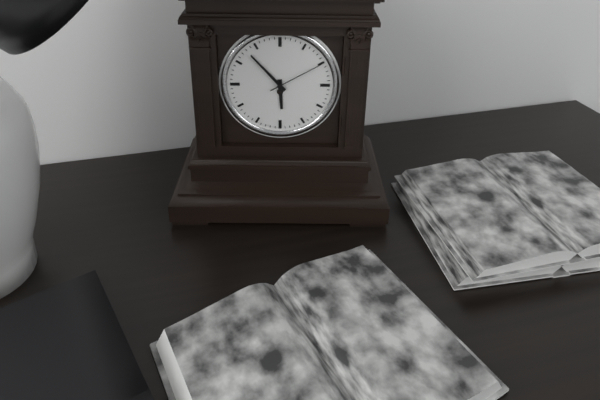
**5:53:10**
